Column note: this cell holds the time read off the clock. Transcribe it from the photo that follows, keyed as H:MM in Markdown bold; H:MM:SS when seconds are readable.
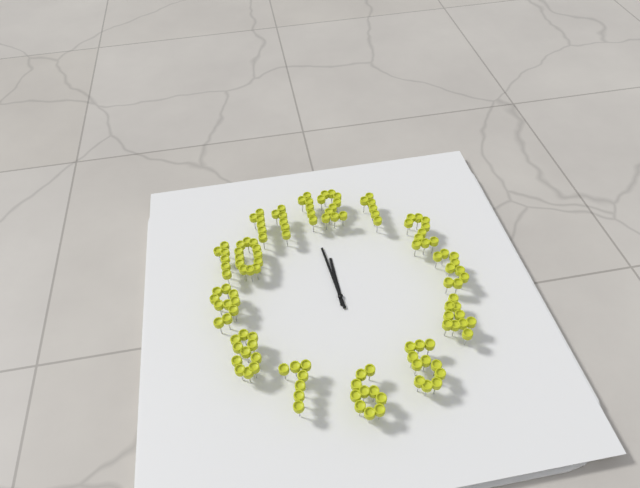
**11:59**
